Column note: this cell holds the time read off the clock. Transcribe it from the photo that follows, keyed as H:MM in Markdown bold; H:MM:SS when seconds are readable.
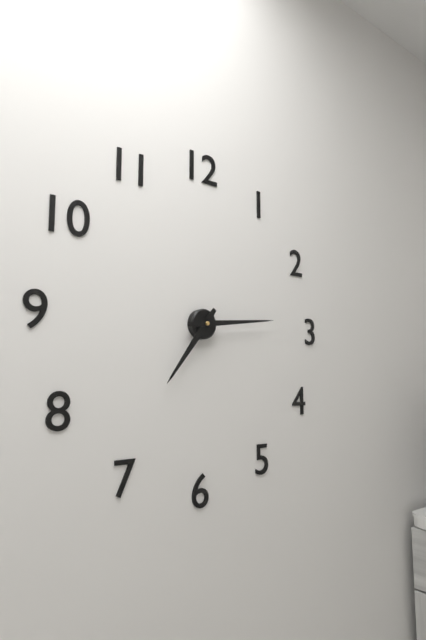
**7:14**
